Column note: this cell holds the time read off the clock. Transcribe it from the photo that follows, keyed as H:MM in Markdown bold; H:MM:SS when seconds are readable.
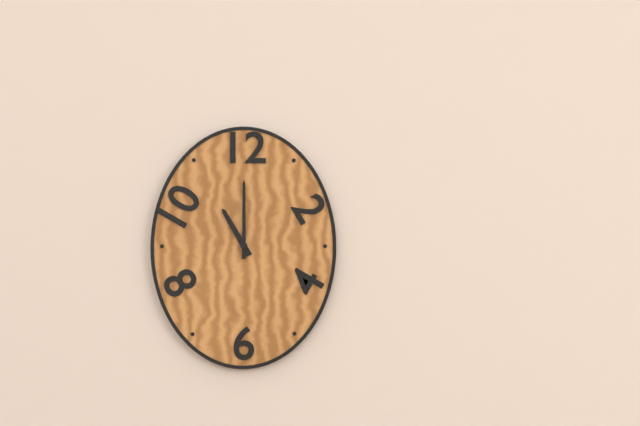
**11:00**
